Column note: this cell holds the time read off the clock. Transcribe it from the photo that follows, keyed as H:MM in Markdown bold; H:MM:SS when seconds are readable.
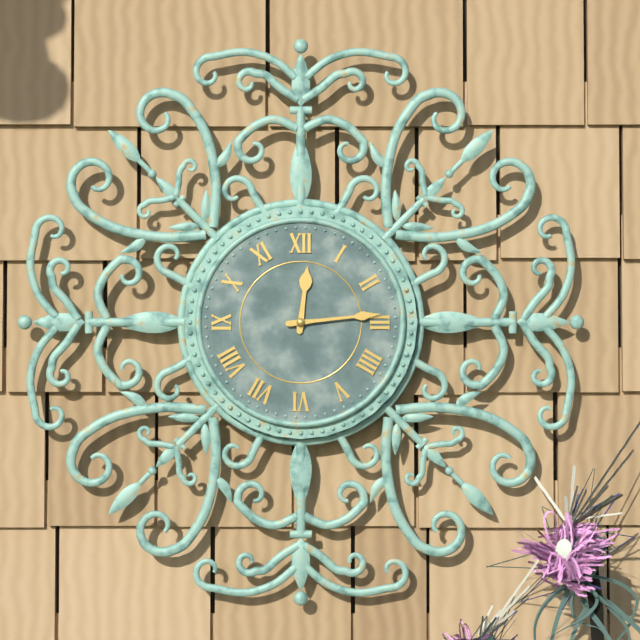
**12:14**
